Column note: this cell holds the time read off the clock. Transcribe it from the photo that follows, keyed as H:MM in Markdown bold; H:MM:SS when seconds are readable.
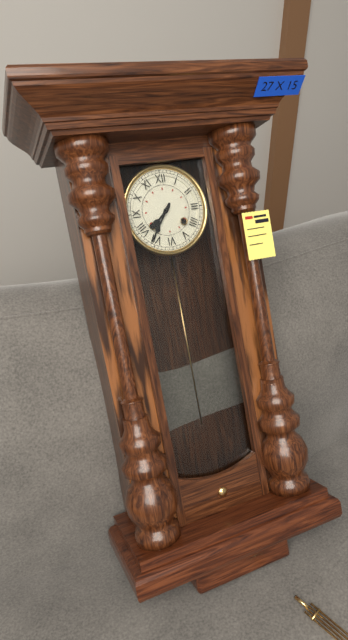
**7:36**
